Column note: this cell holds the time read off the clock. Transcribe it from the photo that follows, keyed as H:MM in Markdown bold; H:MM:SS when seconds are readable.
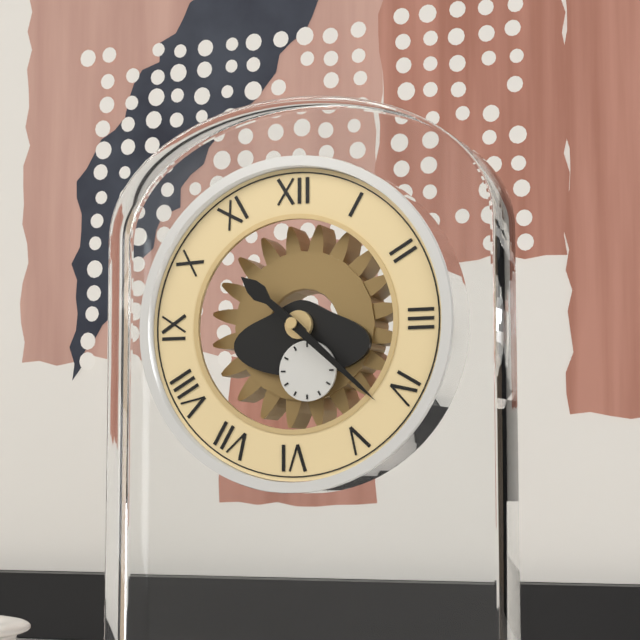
**10:22**
